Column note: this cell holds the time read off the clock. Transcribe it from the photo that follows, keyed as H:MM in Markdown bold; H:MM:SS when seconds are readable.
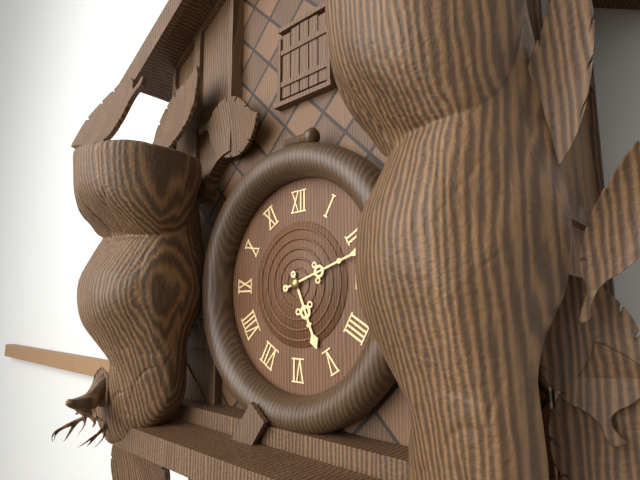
**5:12**
